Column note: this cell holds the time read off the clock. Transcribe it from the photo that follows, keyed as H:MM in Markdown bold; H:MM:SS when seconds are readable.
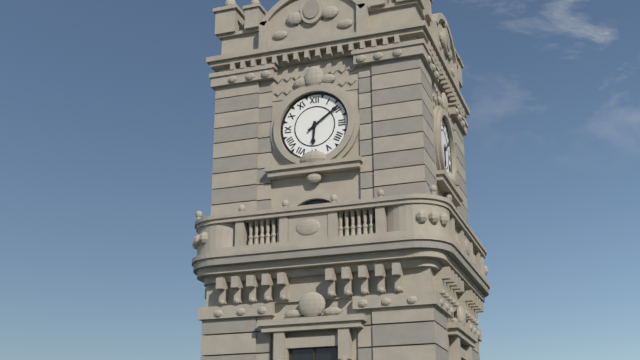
**6:09**
